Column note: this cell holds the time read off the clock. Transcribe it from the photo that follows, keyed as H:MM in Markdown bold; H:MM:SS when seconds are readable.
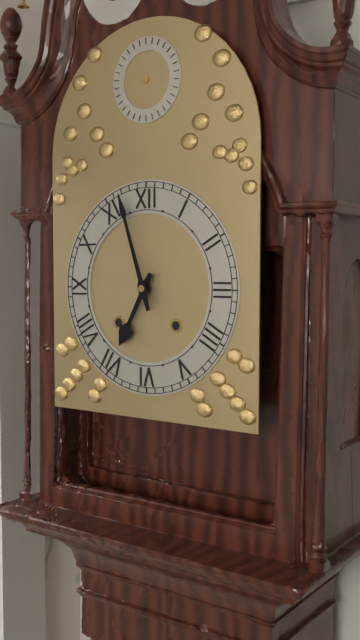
**6:57**
